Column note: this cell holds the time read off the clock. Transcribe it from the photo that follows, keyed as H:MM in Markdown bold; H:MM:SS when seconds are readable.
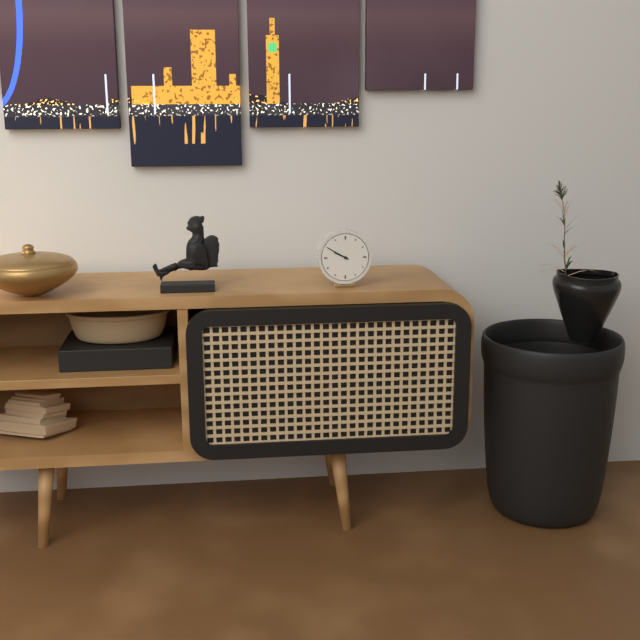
**9:50**
